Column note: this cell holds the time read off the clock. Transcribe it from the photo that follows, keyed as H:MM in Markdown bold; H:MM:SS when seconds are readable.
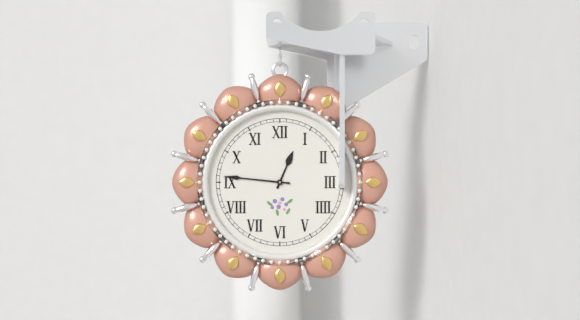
**12:46**
